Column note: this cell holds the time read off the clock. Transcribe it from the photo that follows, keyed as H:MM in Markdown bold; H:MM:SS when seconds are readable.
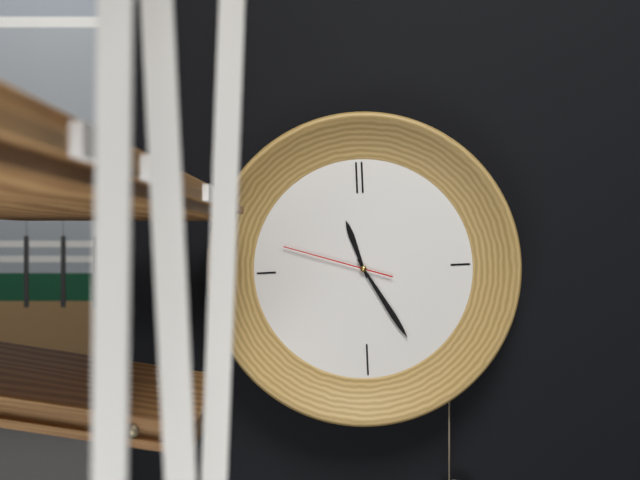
**11:25:48**
